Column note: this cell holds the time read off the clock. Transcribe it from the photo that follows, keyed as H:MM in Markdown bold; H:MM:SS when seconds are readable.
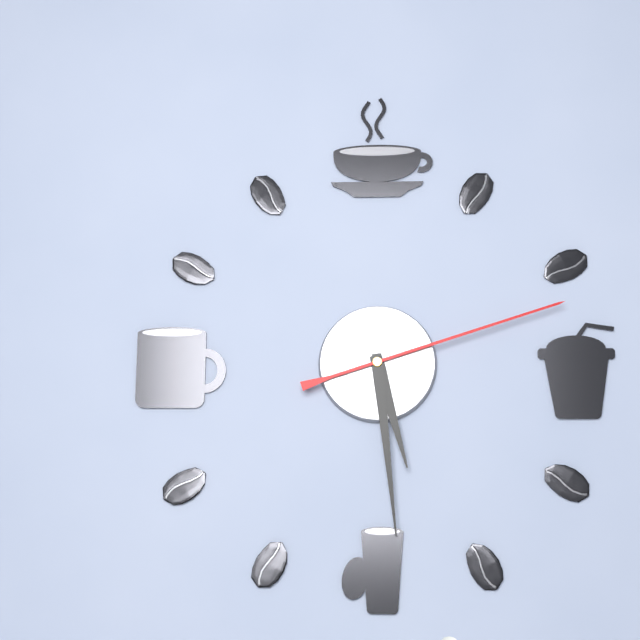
**5:29:12**
